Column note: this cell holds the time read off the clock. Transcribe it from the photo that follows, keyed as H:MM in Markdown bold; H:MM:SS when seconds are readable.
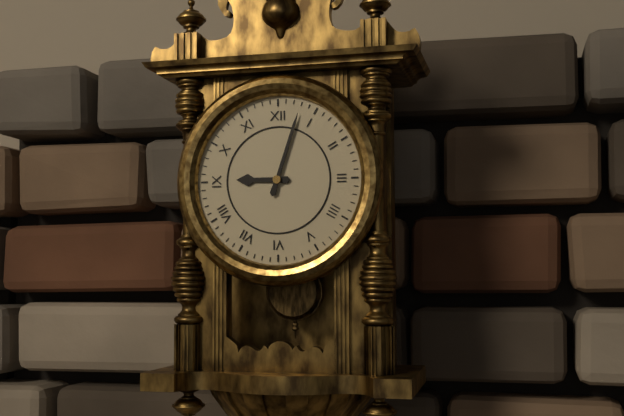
**9:03**
